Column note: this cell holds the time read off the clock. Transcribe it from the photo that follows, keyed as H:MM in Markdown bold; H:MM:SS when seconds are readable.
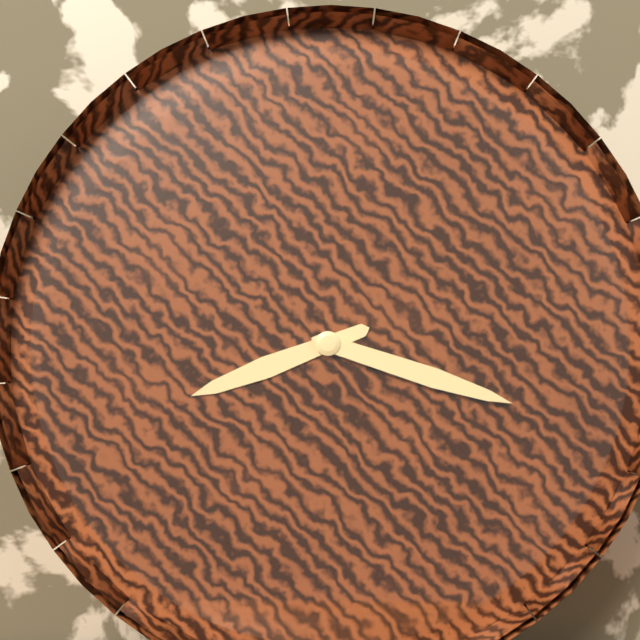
**8:18**
